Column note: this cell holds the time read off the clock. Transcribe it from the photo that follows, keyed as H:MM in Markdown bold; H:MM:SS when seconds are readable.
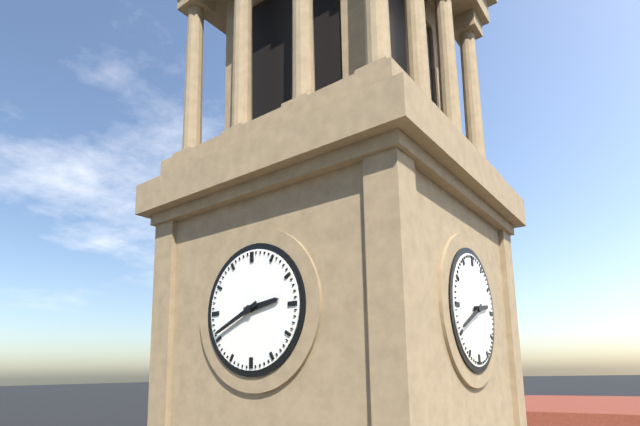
**2:41**
